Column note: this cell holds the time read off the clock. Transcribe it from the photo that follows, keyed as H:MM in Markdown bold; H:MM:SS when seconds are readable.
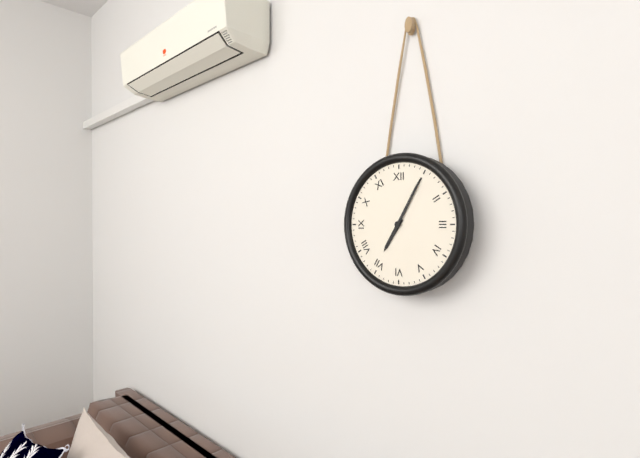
**7:05**
